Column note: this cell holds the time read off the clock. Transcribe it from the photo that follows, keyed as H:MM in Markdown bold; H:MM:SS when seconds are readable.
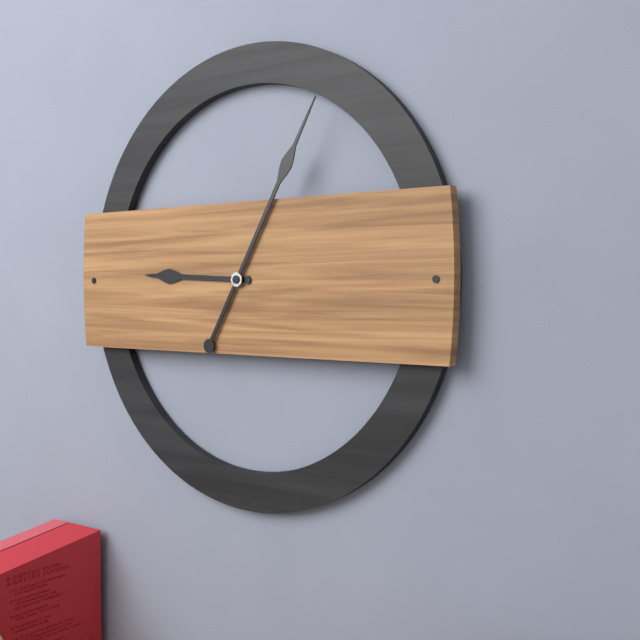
**9:05**
